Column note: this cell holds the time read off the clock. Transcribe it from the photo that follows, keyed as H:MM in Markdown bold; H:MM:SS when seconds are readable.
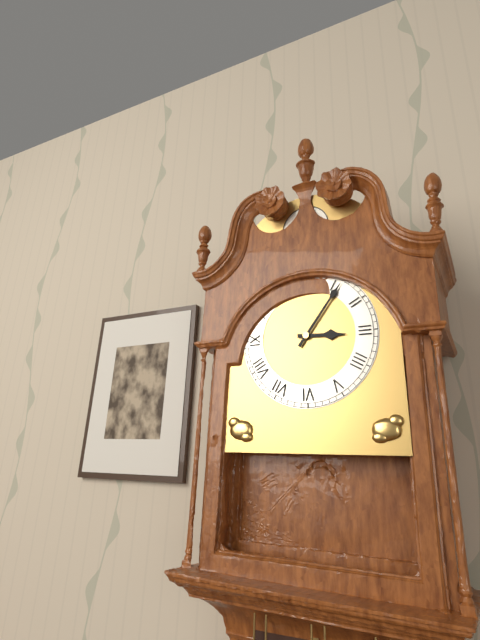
**3:06**
